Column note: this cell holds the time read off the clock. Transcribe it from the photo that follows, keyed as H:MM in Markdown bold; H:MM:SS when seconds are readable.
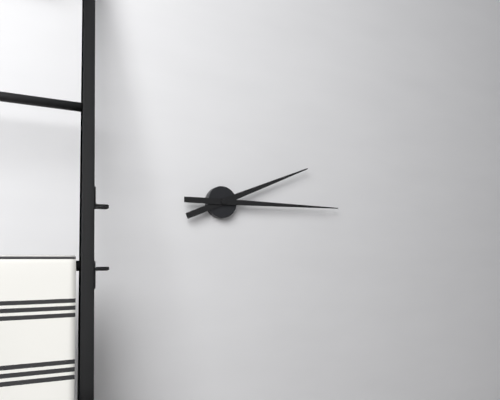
**2:15**
